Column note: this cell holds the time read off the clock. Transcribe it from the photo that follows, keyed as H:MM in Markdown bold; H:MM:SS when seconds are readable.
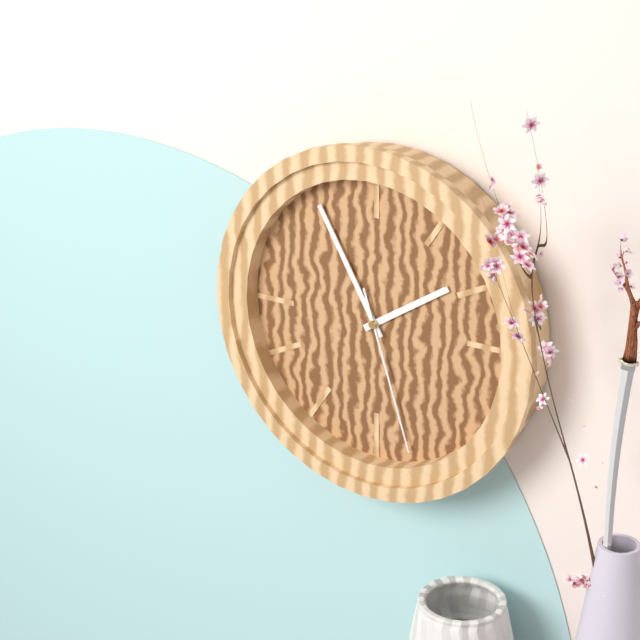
**1:55:27**
